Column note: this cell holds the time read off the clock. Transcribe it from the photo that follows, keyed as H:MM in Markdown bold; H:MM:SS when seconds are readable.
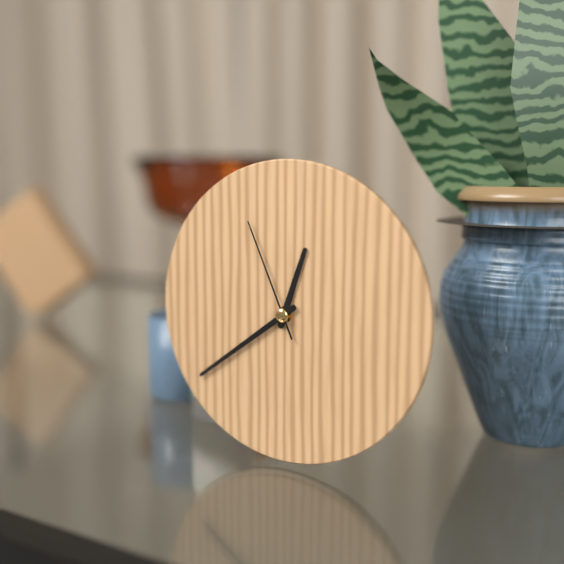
**12:39:56**
